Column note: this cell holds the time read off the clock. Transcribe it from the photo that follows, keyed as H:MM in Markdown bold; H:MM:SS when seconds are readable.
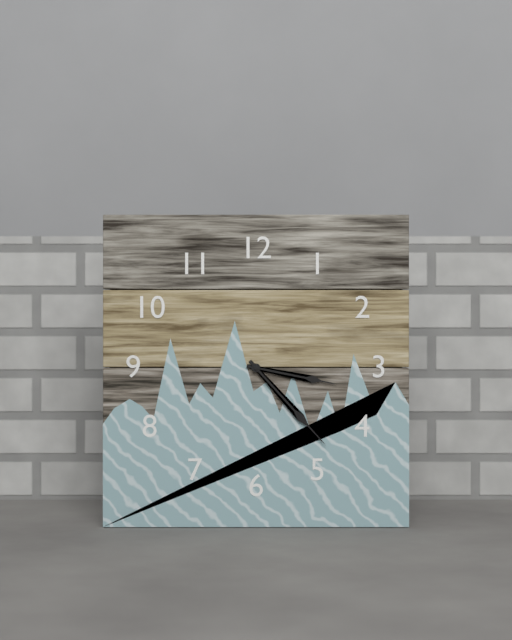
**3:23**
